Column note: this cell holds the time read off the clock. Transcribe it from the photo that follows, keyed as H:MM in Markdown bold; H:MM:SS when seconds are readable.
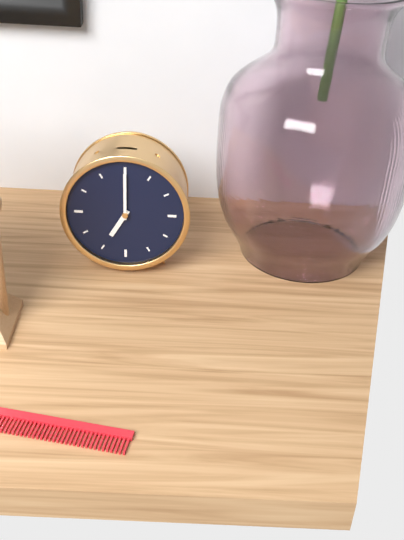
**7:00**
